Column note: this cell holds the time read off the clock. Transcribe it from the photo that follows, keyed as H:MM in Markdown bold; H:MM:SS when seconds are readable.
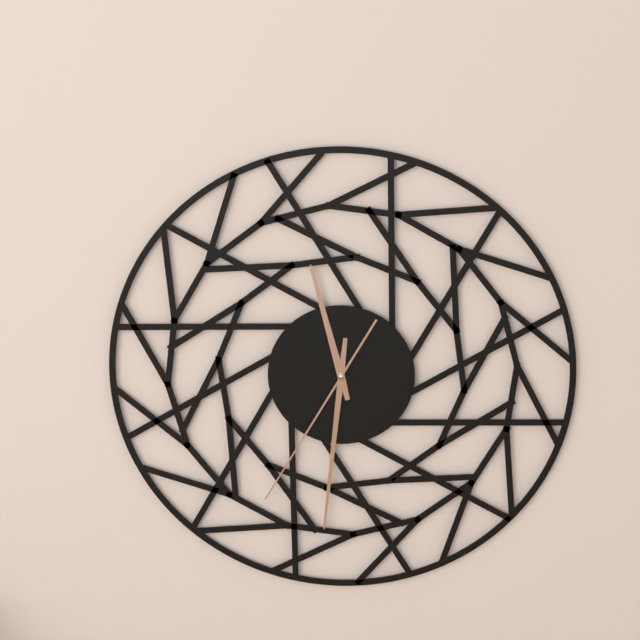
**11:31:35**
